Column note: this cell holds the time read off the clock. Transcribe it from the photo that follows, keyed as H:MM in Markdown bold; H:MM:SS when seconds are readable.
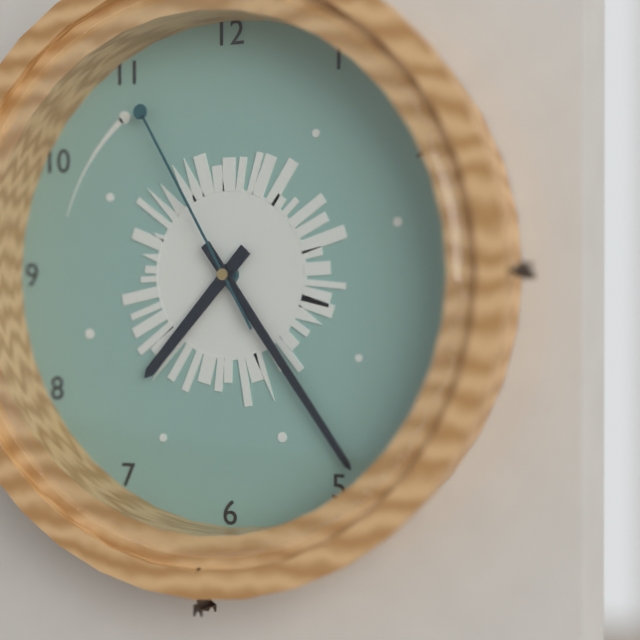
**7:24:55**
